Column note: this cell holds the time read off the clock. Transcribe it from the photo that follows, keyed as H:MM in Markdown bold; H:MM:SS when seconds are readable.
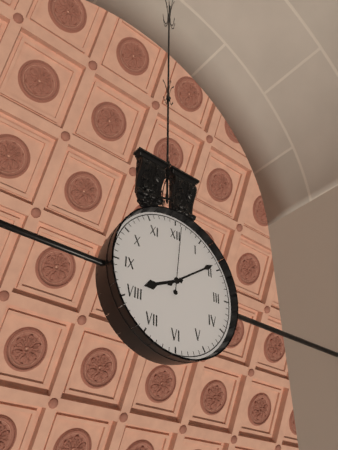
**8:09:01**
